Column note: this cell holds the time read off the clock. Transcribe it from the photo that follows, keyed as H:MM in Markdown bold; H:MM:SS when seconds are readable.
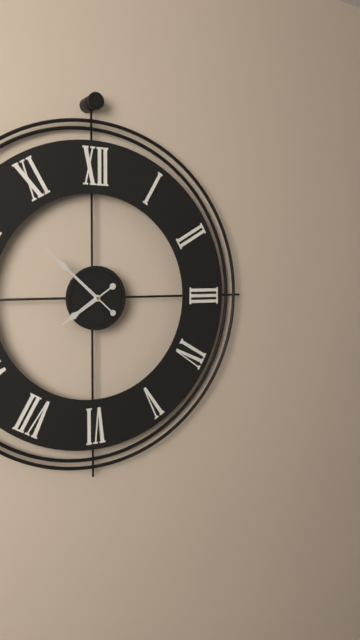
**7:52**
